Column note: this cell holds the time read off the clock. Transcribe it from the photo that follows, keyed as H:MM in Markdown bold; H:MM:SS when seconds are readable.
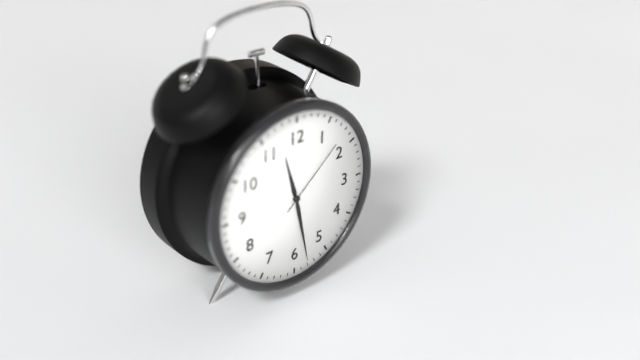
**11:28:08**
